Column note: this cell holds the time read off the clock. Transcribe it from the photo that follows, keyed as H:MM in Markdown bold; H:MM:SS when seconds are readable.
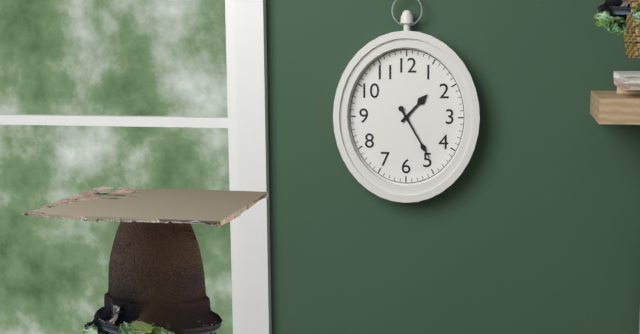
**1:25**
